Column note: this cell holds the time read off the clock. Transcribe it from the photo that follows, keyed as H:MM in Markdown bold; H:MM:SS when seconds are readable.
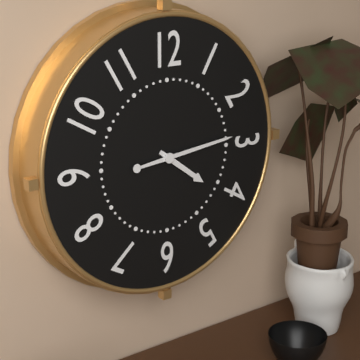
**4:14**
